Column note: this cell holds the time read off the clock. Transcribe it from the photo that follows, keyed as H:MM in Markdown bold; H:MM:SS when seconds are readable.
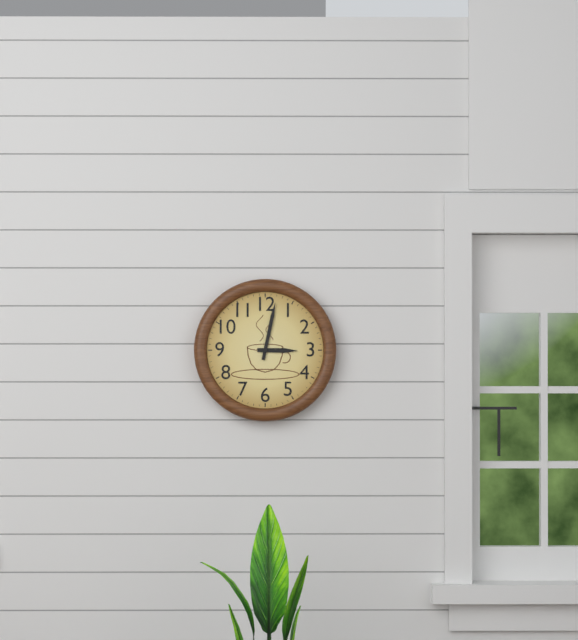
**3:02**
